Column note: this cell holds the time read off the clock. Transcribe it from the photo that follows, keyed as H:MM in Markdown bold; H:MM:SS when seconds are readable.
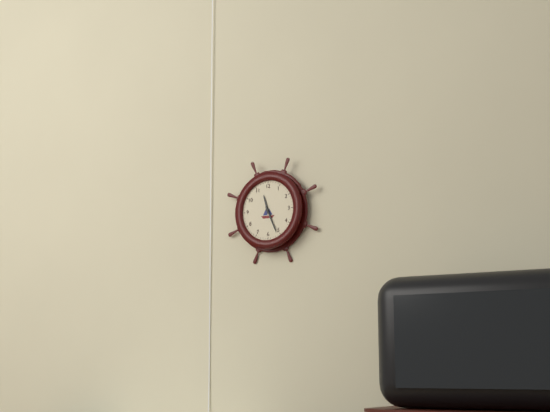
**11:26**
